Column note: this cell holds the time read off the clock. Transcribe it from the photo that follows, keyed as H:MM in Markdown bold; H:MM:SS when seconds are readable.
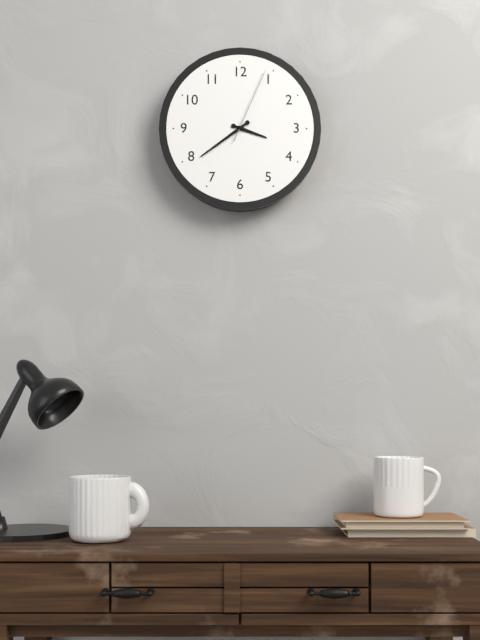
**3:39:04**
